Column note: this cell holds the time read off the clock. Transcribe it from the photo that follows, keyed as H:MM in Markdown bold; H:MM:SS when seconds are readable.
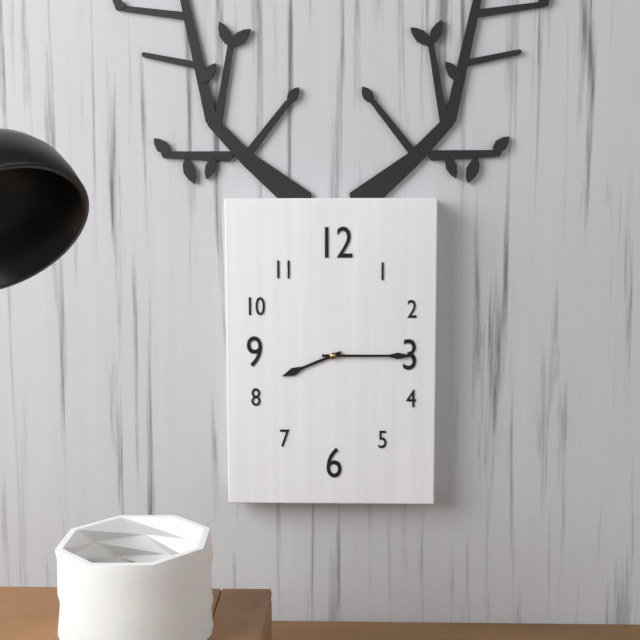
**8:15**
